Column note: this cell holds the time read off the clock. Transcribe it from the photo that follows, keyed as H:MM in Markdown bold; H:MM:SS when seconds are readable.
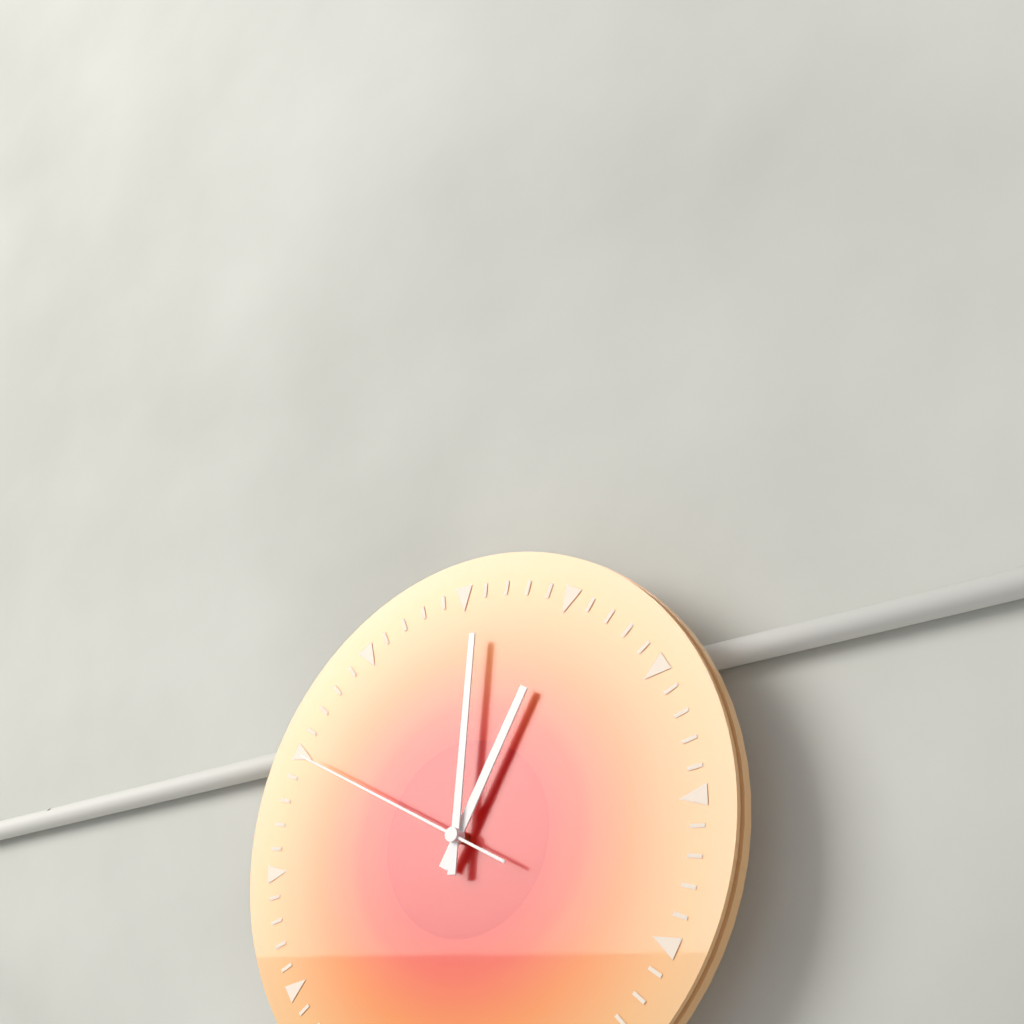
**1:01:50**
